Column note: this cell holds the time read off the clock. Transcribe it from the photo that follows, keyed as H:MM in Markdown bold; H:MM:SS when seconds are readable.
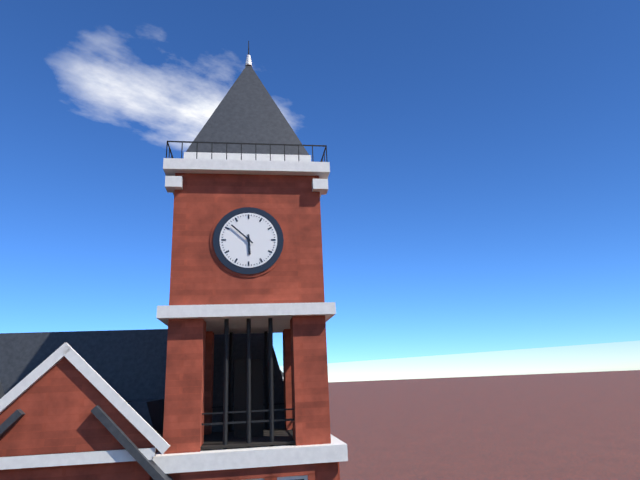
**5:52**
